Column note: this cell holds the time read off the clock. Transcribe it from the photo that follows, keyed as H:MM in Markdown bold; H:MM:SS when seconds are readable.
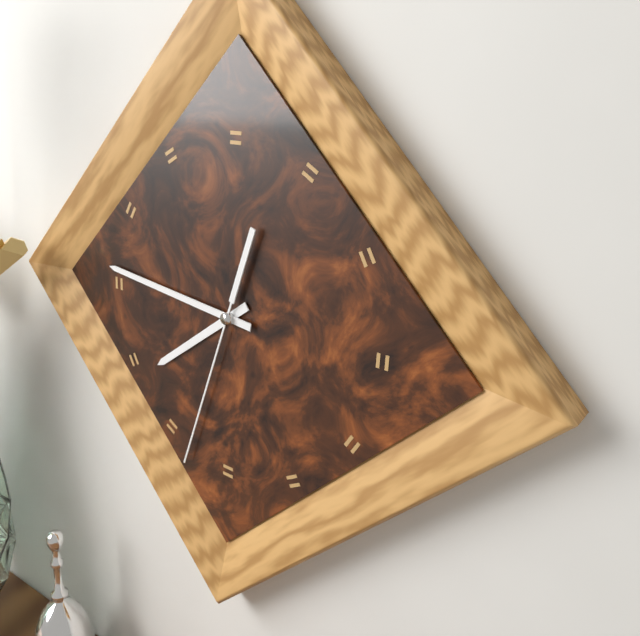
**7:46:33**
